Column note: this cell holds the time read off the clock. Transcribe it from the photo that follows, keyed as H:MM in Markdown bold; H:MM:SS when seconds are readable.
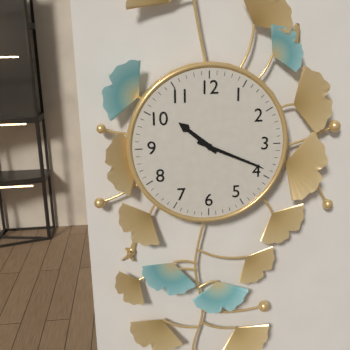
**10:19**
